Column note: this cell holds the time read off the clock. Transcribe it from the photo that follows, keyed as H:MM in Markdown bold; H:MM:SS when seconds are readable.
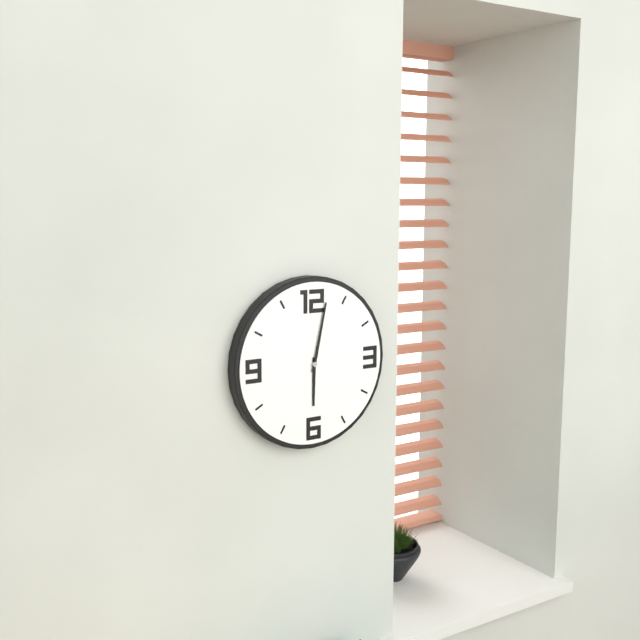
**6:02**
